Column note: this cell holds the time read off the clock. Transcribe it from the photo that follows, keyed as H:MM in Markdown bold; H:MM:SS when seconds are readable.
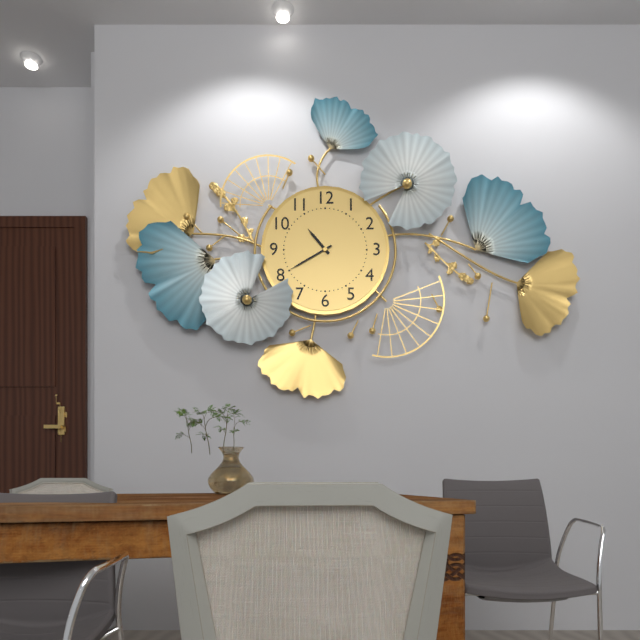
**10:40**
